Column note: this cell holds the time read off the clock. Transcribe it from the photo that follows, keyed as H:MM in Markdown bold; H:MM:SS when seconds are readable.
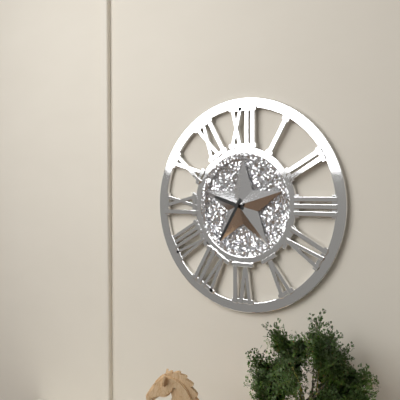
**9:35**
